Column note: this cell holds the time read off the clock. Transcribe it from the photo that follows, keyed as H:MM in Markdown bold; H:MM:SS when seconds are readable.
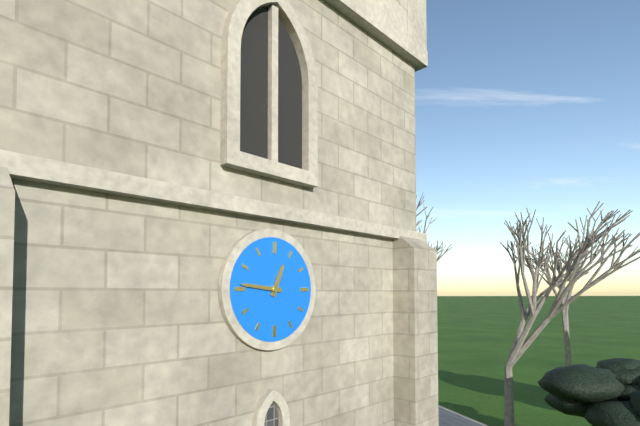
**12:46**
